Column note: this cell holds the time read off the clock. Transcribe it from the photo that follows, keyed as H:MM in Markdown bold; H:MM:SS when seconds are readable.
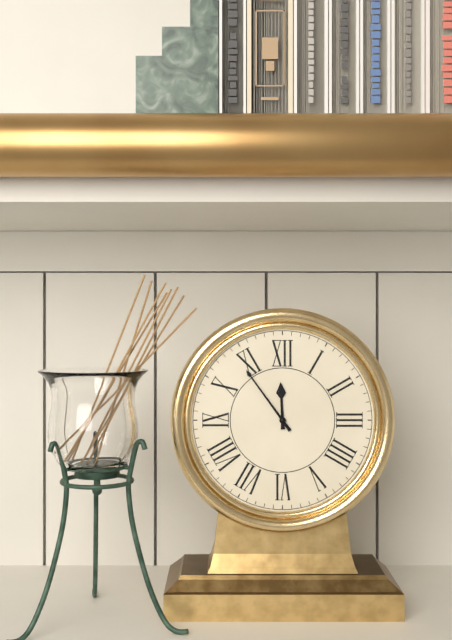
**11:54**
